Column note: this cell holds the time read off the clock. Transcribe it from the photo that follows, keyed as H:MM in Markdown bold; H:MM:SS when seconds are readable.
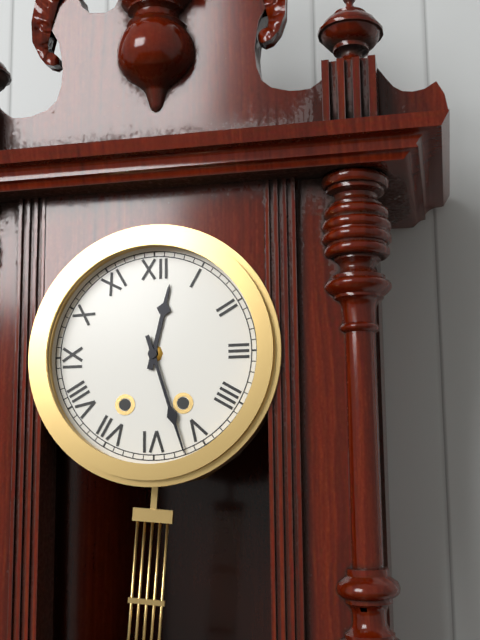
**12:27**
